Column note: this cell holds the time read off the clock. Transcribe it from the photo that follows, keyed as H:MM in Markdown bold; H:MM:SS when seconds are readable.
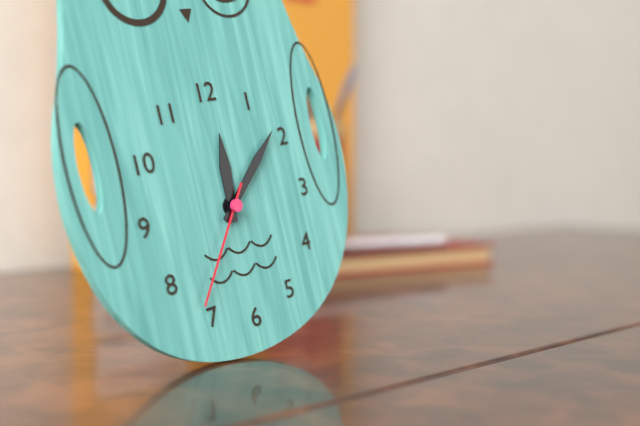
**12:08:36**
